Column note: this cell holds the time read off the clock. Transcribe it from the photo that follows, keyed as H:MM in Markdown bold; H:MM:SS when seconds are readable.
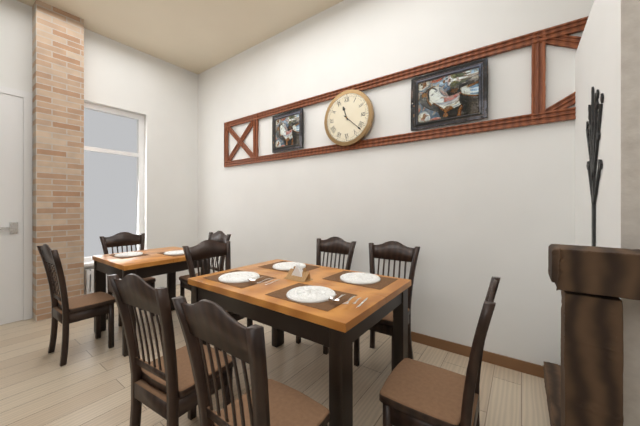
**11:22**
